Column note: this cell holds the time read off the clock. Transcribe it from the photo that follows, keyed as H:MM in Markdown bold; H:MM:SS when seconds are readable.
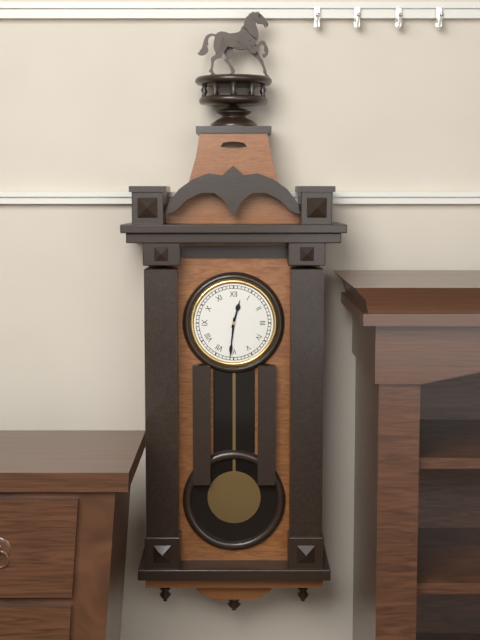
**12:31**
